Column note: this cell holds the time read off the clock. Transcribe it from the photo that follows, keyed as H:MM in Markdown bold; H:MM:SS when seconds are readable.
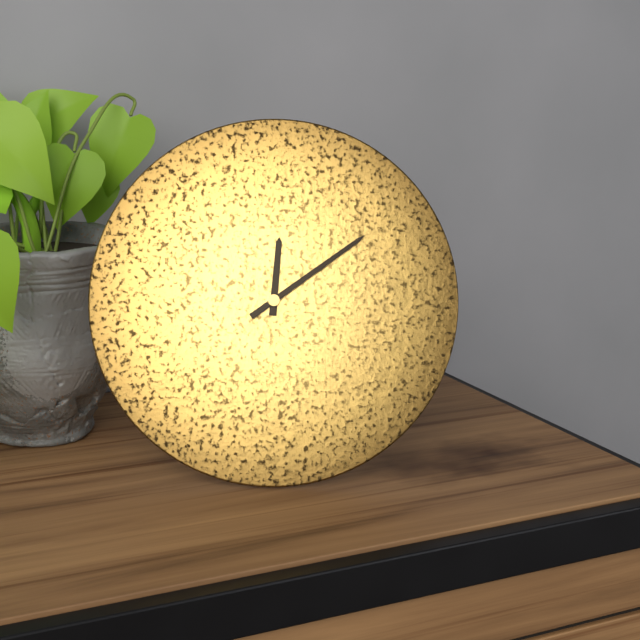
**12:09**
